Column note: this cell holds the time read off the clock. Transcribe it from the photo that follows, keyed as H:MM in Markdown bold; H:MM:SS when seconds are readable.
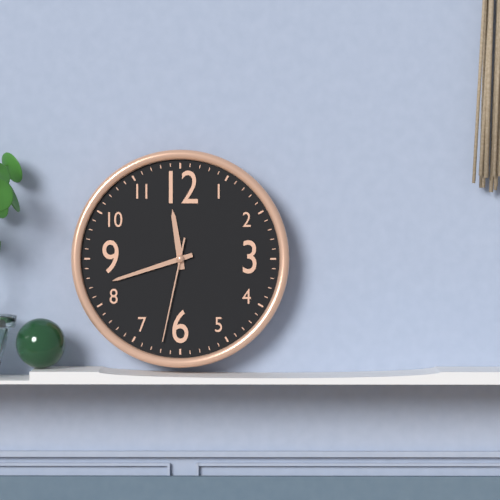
**11:42:32**
